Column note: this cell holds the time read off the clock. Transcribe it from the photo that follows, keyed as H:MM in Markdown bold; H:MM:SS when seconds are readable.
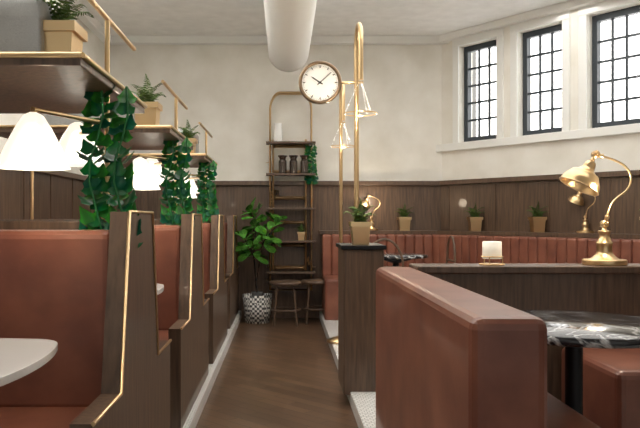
**10:08**
